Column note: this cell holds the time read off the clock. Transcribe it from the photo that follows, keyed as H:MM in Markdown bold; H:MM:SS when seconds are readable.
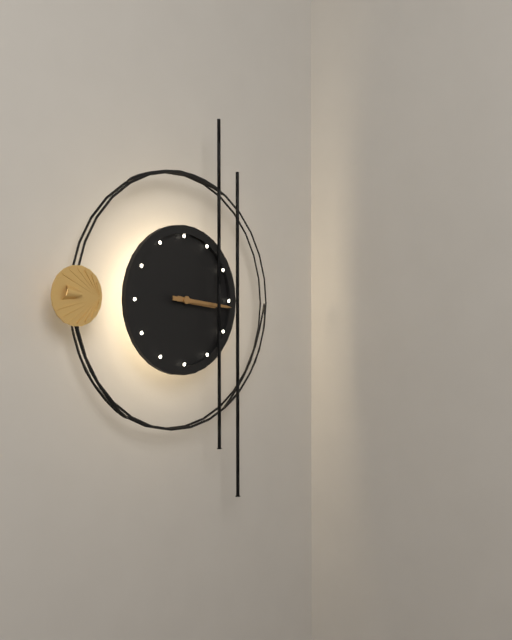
**3:16**
